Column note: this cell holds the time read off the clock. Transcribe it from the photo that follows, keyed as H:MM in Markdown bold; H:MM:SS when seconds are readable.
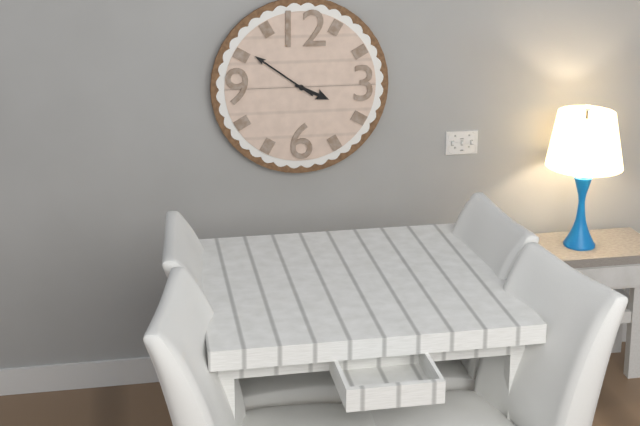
**3:51**
